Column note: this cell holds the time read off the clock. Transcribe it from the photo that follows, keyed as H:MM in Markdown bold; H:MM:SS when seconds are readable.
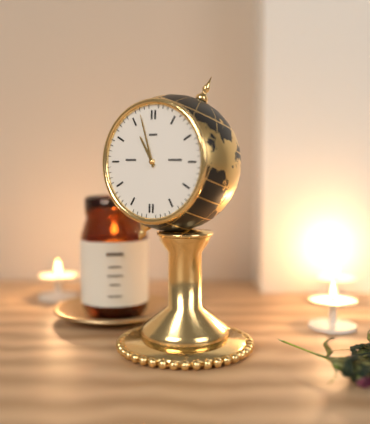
**10:57**
